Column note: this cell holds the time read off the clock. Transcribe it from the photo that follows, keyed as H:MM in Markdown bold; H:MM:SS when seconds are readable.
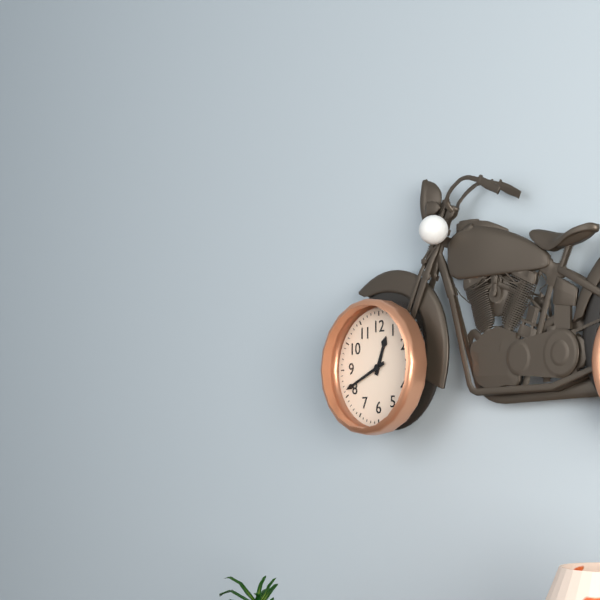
**12:41**
